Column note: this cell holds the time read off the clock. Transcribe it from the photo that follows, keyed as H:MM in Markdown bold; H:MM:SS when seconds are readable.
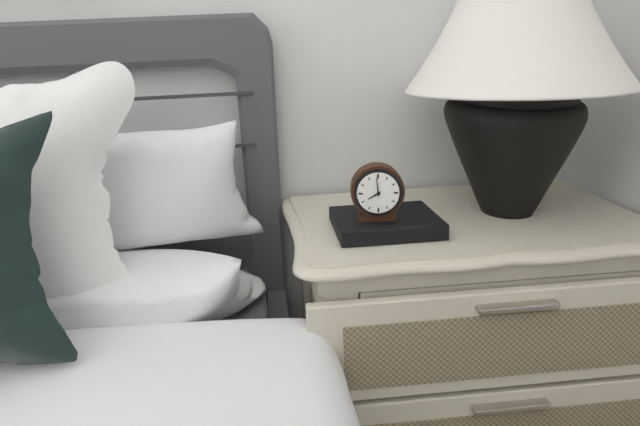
**7:59**
